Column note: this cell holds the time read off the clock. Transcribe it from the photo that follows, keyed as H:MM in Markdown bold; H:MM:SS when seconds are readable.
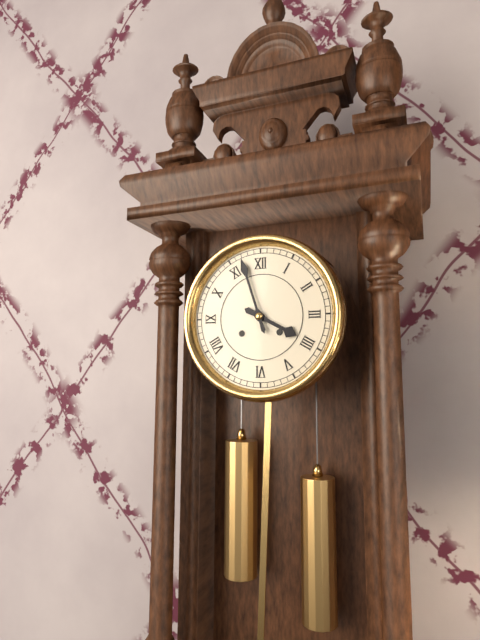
**3:57**
